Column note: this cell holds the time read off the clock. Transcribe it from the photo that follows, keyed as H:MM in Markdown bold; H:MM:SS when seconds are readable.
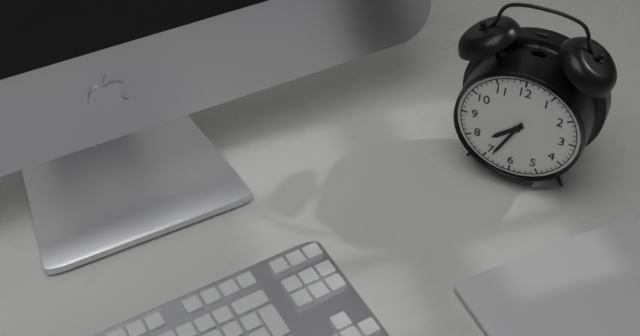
**7:34**
